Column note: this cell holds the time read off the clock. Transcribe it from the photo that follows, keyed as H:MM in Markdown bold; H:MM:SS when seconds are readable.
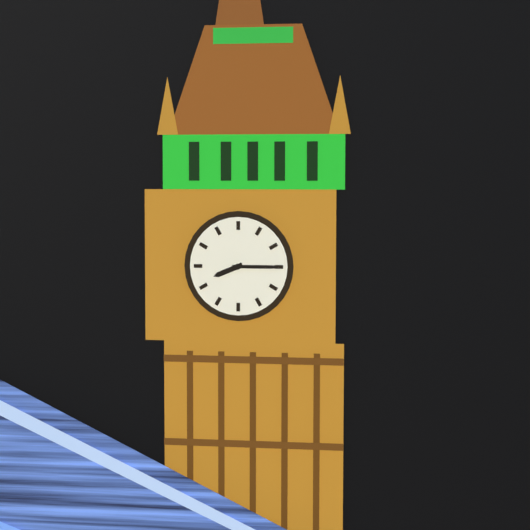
**8:15**
